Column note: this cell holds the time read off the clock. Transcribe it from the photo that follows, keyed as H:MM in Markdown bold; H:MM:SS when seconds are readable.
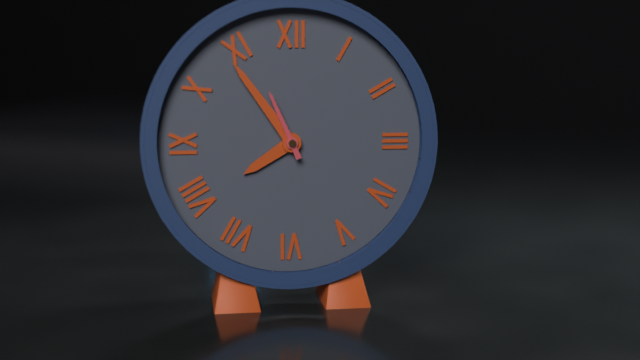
**7:54:56**
